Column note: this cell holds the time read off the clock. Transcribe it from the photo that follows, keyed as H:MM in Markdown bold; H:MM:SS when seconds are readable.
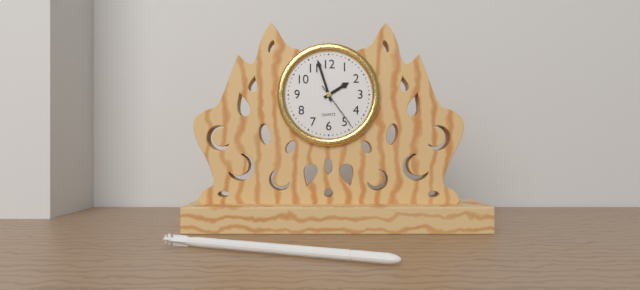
**1:57**
